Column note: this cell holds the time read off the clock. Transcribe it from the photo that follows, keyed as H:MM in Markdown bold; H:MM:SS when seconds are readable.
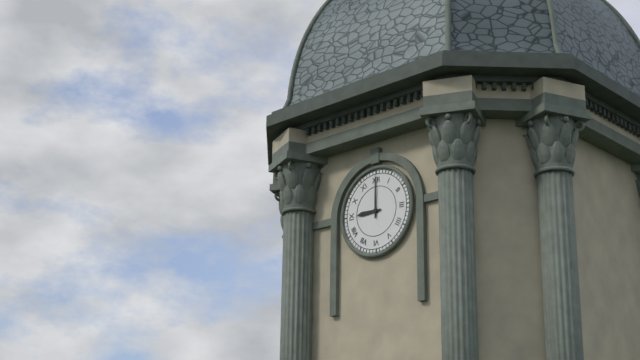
**9:00**
